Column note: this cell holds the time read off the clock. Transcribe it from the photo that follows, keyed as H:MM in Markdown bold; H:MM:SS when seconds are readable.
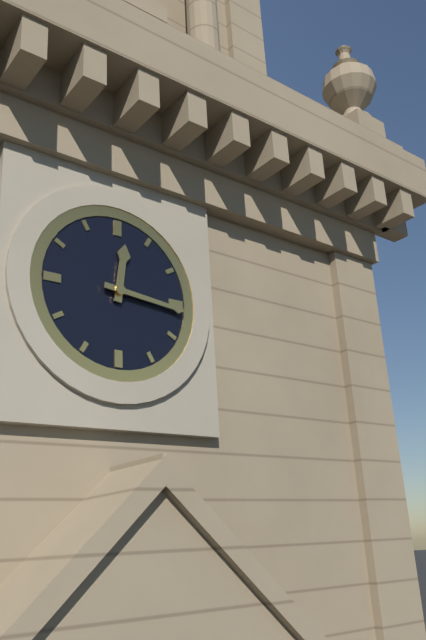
**12:16**
